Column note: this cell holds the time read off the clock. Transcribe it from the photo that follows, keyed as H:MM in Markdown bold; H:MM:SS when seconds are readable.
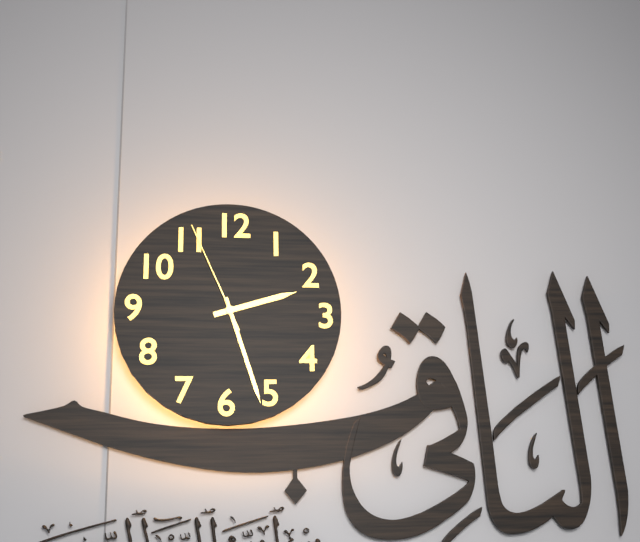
**2:27:56**
